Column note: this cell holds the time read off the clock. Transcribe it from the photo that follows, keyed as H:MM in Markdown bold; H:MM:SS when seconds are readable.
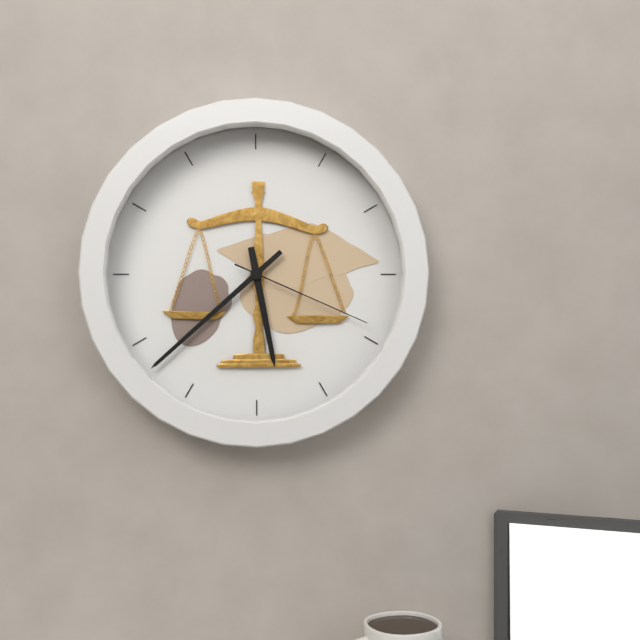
**5:38:19**
